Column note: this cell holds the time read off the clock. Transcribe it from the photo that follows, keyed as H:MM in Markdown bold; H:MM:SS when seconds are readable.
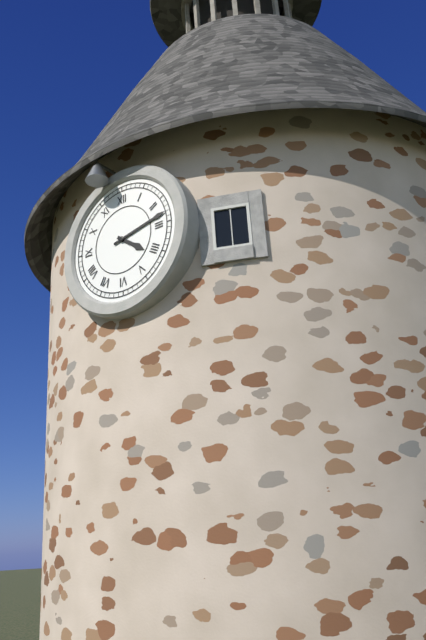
**4:13**
